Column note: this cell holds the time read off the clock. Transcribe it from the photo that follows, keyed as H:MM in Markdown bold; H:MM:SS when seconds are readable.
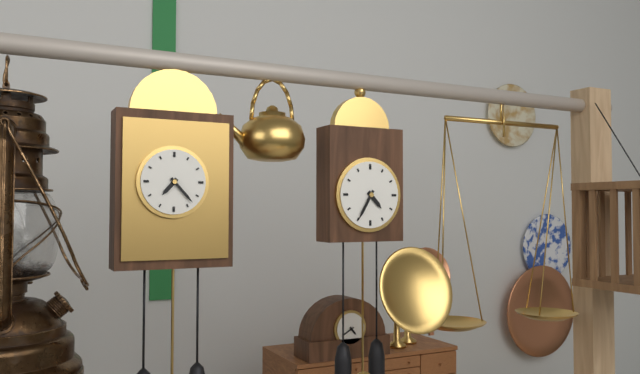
**4:35**
